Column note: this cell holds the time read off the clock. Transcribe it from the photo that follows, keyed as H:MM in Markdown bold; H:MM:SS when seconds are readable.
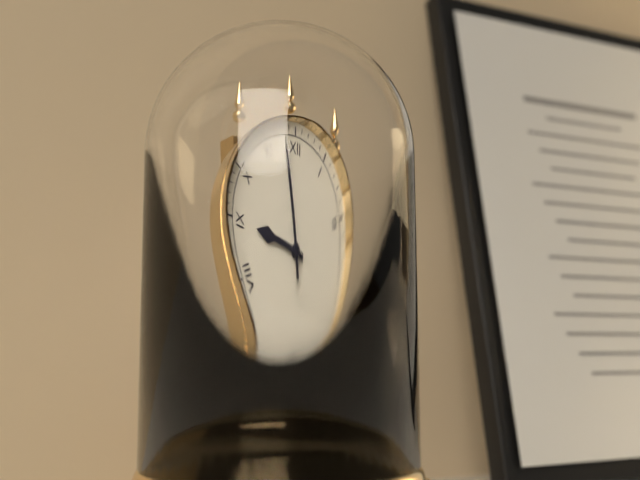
**8:58**
